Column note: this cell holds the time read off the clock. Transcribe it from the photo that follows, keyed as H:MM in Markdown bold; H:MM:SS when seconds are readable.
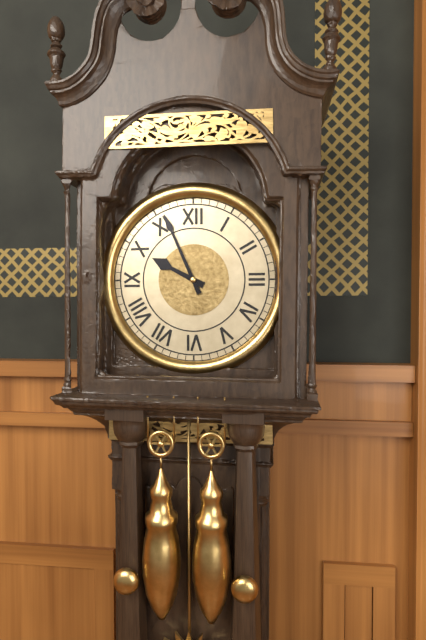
**9:56**
